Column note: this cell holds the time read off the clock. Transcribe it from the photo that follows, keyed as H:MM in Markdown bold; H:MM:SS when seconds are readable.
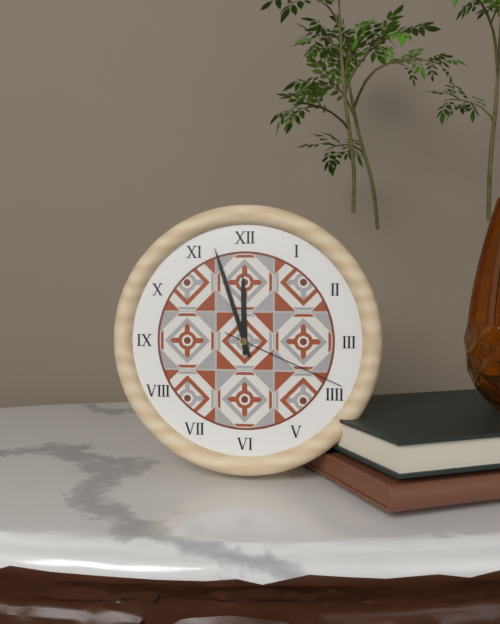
**11:57:19**
